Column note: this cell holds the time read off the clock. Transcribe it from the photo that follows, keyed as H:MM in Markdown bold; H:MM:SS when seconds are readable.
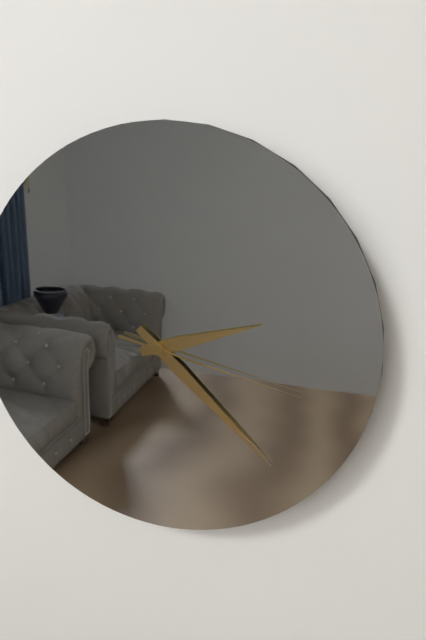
**2:22:17**
